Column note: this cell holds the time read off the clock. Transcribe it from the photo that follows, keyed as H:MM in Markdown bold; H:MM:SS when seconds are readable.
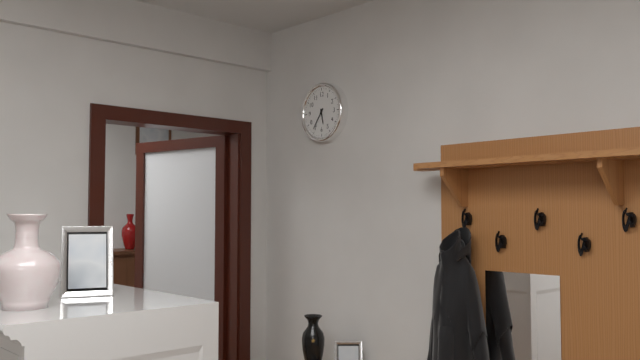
**5:36**
